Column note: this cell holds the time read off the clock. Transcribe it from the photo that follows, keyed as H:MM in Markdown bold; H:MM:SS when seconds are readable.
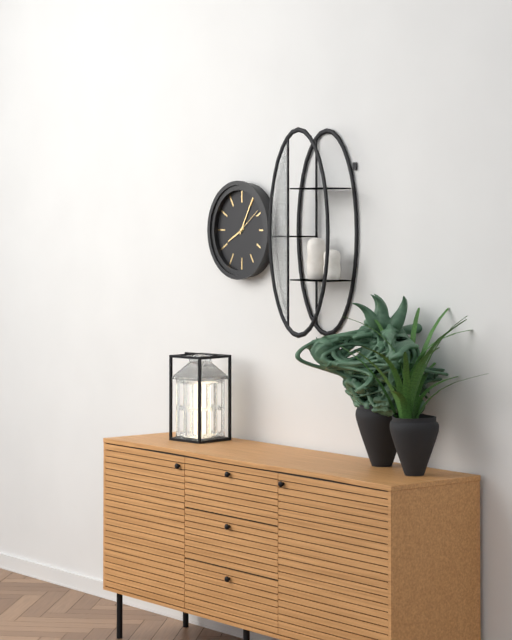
**8:05**
